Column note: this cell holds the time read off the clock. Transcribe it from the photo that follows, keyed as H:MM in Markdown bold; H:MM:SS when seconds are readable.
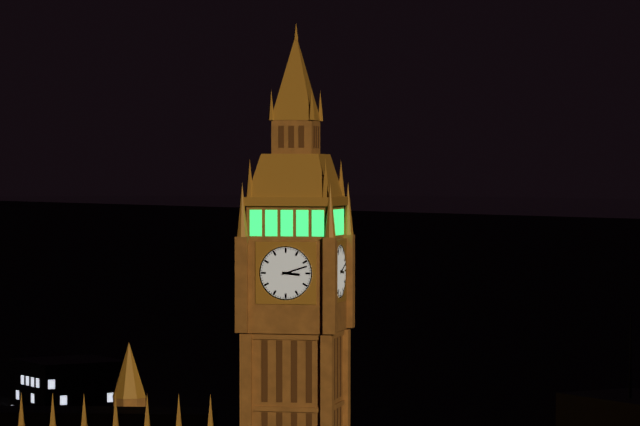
**3:12**
